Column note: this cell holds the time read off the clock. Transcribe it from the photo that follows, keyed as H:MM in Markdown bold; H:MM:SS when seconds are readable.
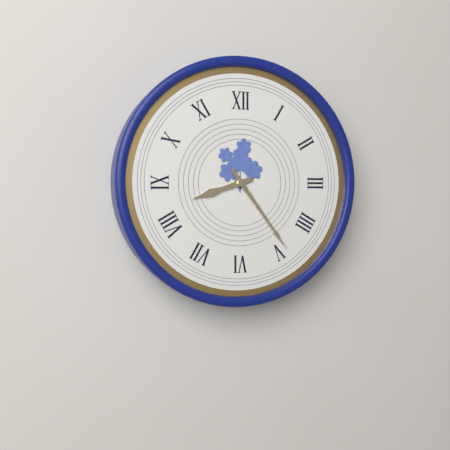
**8:24**
